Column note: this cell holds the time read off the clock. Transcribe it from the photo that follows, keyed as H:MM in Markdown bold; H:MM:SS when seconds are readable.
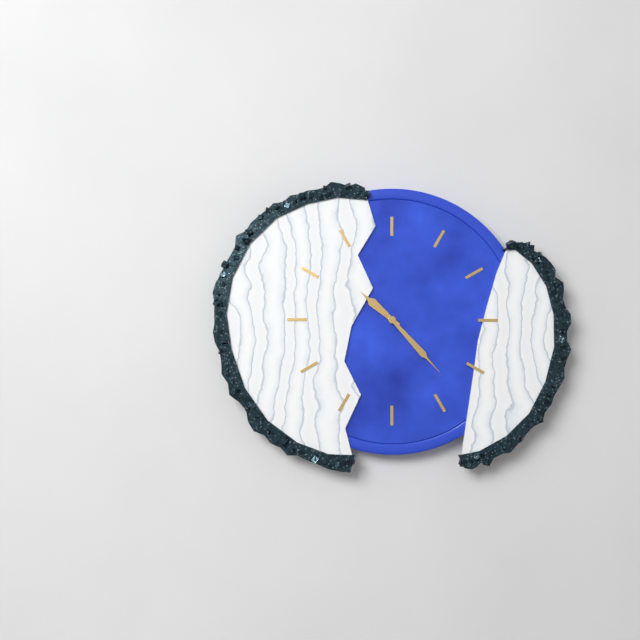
**10:23**
